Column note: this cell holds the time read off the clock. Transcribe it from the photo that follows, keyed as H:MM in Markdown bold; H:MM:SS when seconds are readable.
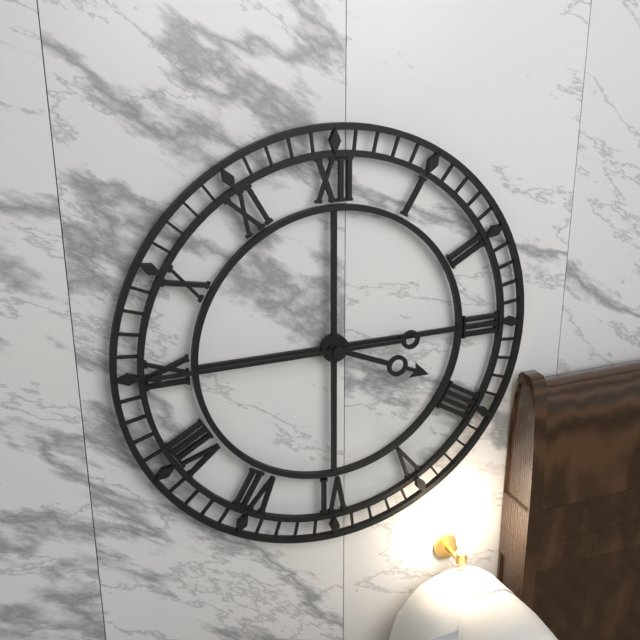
**3:45**
